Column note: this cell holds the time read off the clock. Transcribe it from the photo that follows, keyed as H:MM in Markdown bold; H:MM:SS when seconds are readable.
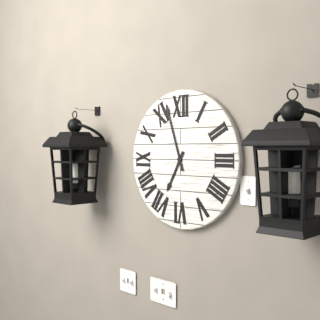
**6:57**
